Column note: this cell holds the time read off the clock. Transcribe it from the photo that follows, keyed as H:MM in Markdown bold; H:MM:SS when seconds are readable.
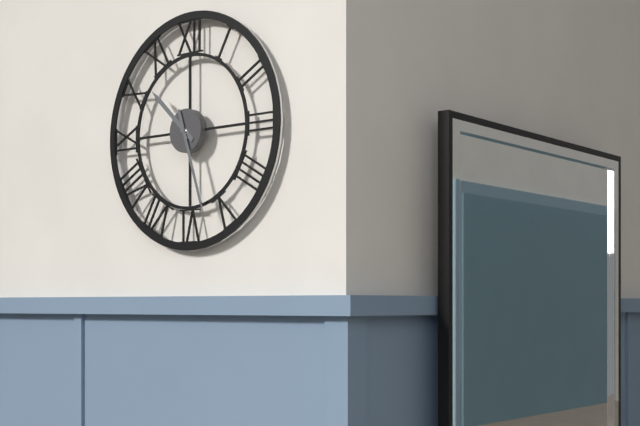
**10:27**
